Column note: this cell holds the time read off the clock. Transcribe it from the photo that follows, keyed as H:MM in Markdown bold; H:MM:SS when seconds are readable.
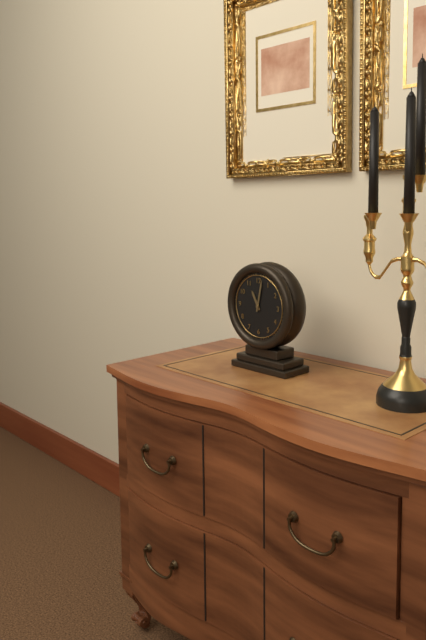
**11:02**
